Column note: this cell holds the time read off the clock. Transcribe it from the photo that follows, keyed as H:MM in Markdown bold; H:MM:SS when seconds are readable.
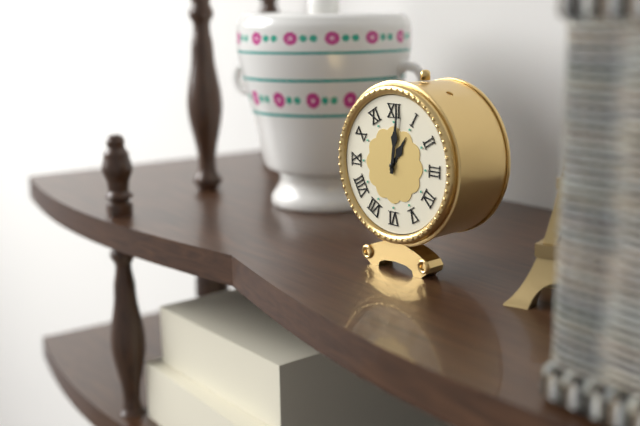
**1:01**
